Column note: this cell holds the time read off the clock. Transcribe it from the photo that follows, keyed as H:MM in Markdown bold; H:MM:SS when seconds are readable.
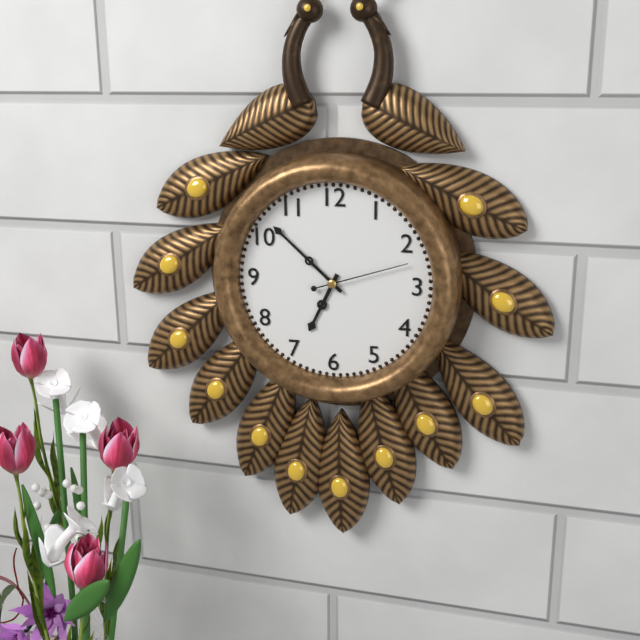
**6:52:12**
